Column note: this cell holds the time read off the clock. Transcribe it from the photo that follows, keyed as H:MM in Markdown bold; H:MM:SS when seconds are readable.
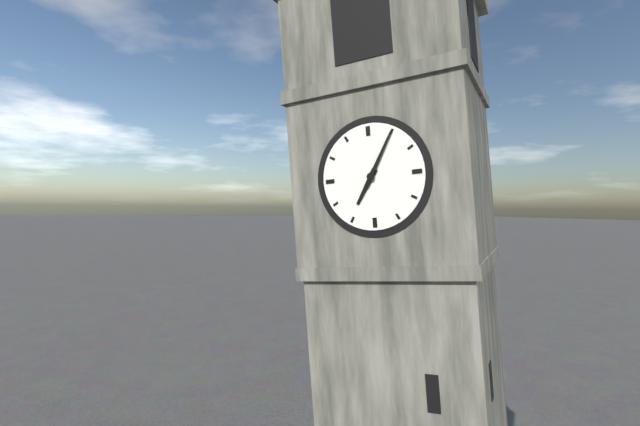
**7:05**
